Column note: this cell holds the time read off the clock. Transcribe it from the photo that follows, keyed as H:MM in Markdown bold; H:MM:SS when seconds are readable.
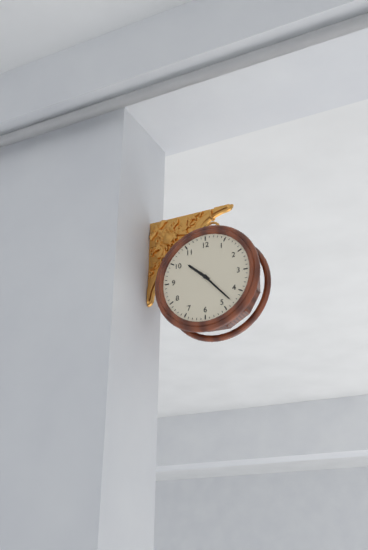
**10:23**
